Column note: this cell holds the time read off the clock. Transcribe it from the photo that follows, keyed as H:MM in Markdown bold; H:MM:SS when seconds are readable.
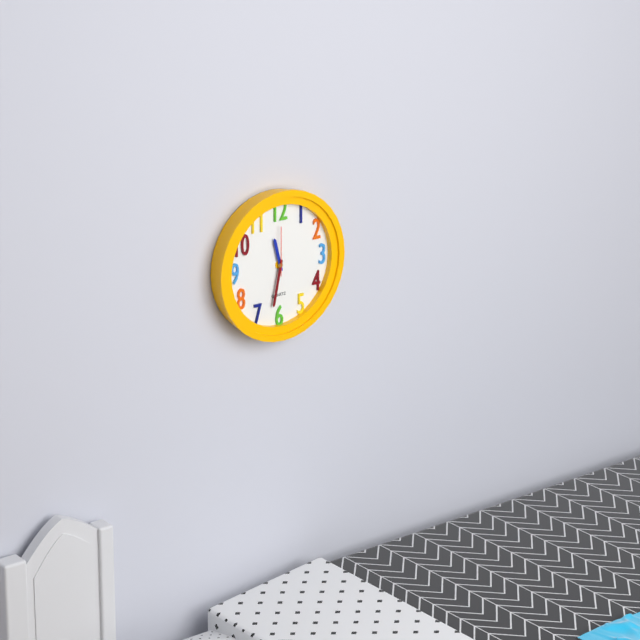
**11:32**
